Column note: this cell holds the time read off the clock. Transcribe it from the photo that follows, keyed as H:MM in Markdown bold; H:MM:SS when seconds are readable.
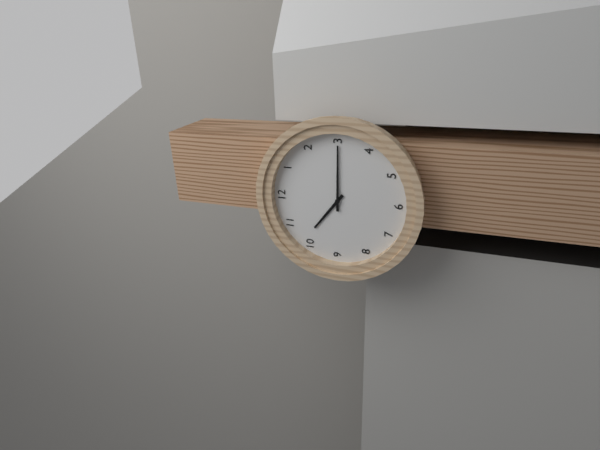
**10:15**
